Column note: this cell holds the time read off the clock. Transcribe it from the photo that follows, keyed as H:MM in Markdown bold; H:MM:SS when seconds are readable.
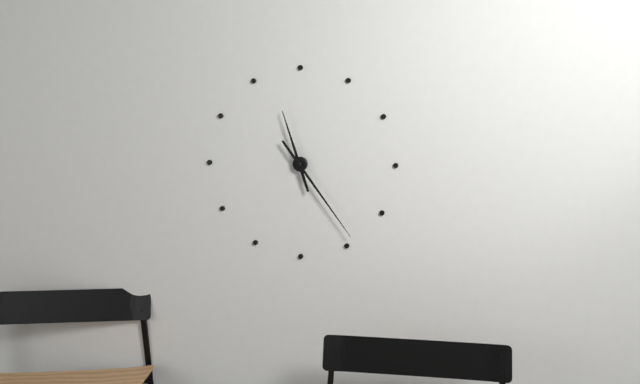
**11:24**
